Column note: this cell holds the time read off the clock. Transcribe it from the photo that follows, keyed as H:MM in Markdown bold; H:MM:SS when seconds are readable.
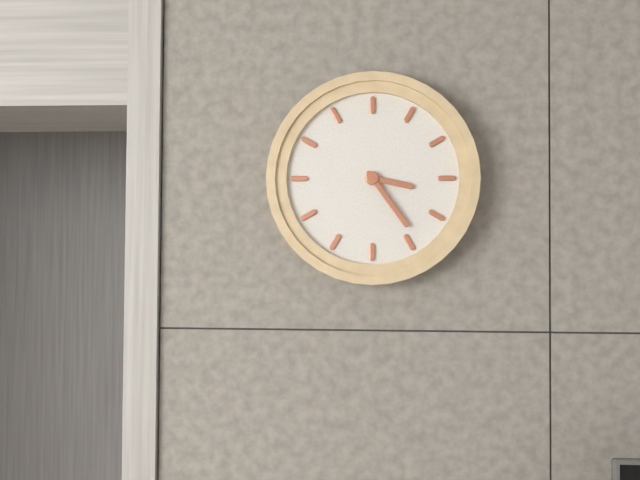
**3:24**
